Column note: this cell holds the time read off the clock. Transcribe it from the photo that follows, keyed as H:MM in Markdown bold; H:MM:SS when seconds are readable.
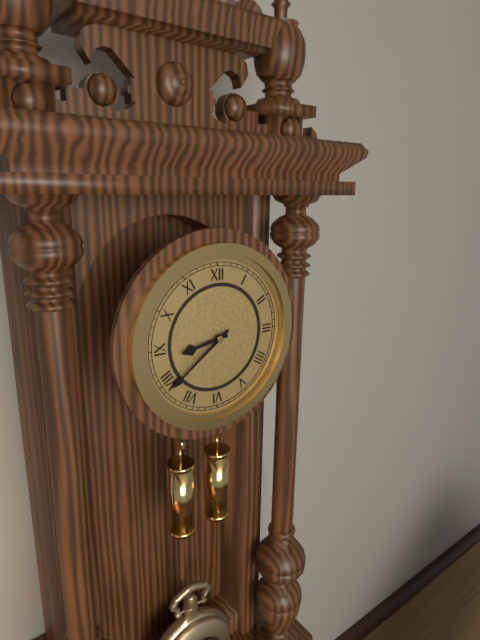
**8:39**
